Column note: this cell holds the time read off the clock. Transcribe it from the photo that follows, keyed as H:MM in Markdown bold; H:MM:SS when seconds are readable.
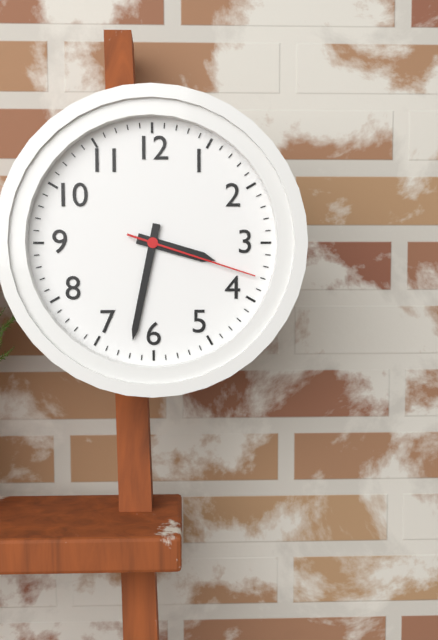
**3:32:18**
